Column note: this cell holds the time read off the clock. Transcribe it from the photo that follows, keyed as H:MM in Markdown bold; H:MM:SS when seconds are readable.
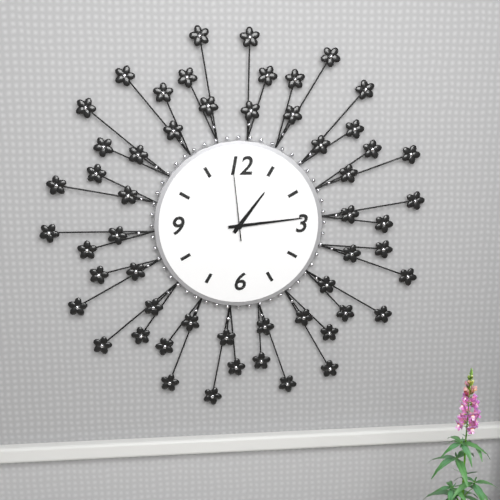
**1:14:59**
